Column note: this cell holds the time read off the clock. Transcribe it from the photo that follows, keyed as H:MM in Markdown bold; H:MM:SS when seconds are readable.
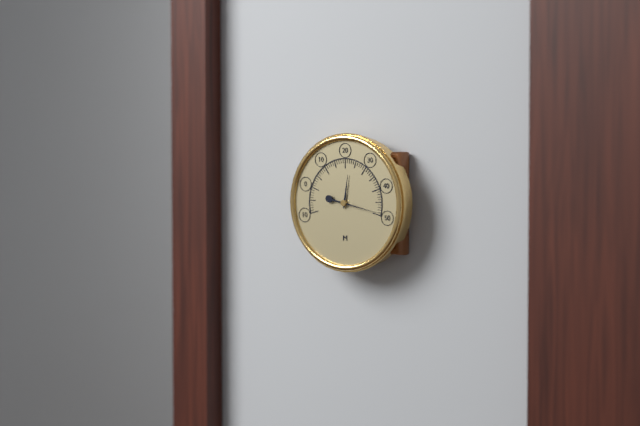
**12:17**
